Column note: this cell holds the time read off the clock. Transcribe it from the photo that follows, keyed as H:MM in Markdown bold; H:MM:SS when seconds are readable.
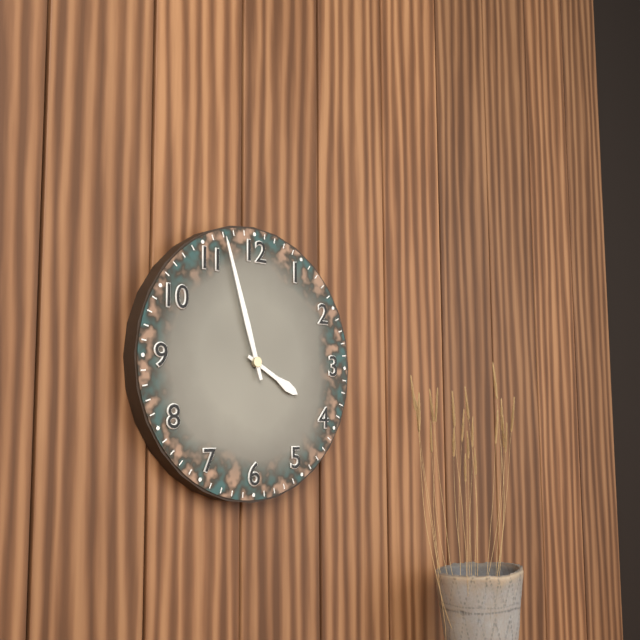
**3:57**
